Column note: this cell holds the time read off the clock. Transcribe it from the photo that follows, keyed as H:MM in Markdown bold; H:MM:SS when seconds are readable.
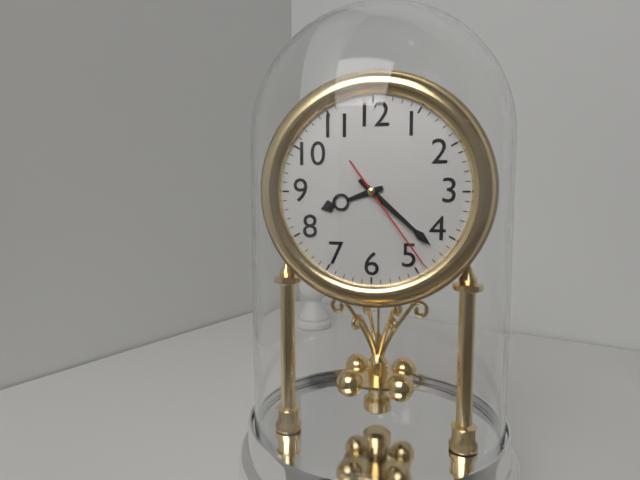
**8:22:24**
